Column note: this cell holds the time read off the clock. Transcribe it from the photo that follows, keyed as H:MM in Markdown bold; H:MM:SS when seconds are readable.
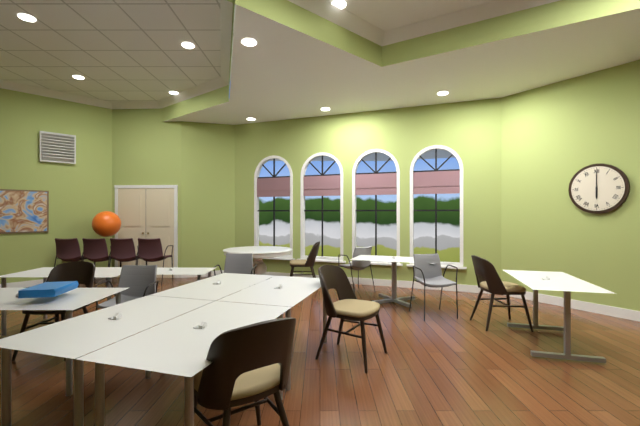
**6:00**
